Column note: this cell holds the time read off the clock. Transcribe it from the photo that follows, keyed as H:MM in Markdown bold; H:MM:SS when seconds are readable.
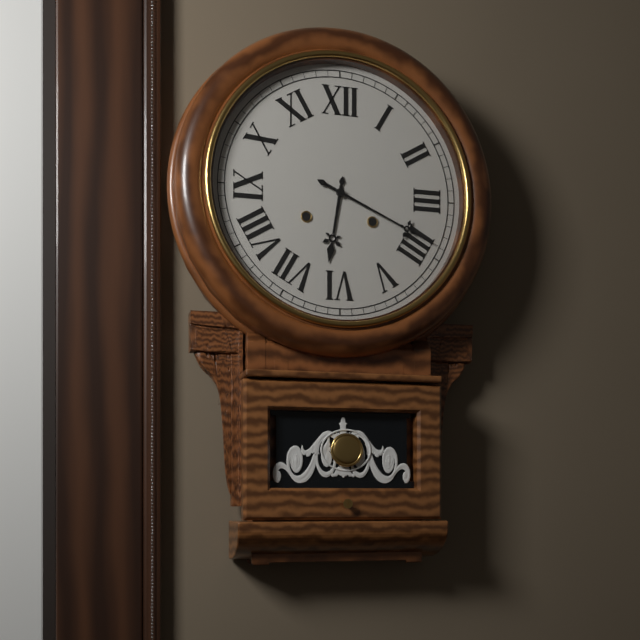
**6:19**
